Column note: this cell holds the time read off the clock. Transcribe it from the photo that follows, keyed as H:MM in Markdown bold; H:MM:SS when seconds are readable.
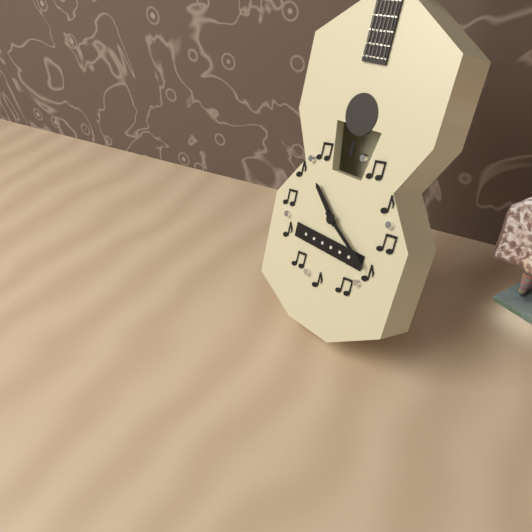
**10:20**
